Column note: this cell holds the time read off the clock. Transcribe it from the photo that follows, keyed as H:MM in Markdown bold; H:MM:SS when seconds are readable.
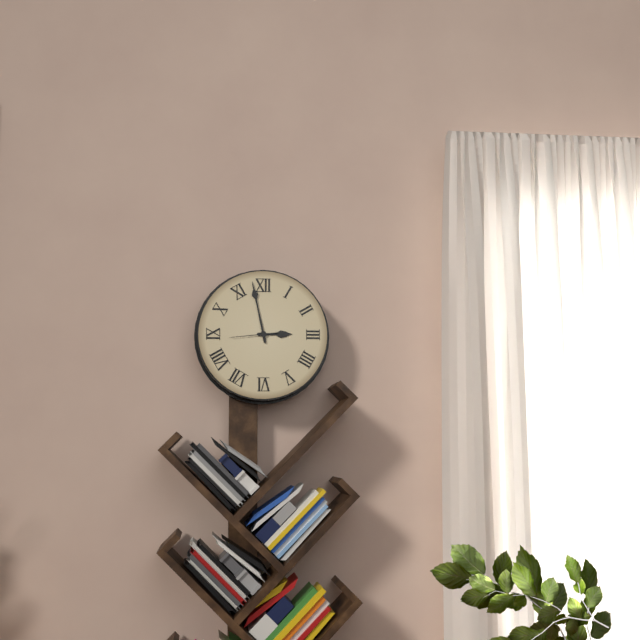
**2:58**
